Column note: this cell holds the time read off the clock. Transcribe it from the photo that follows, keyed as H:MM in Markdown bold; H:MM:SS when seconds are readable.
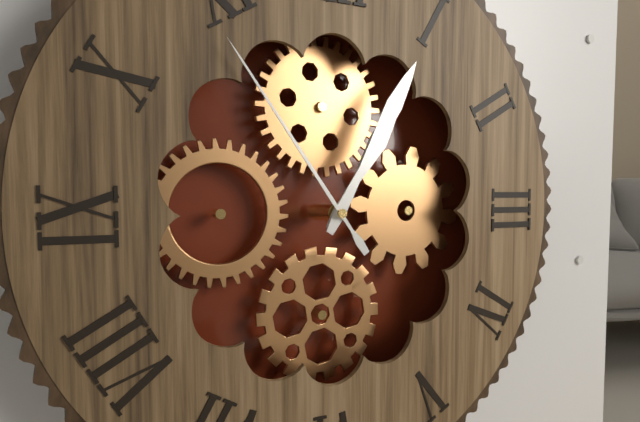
**1:05:54**
